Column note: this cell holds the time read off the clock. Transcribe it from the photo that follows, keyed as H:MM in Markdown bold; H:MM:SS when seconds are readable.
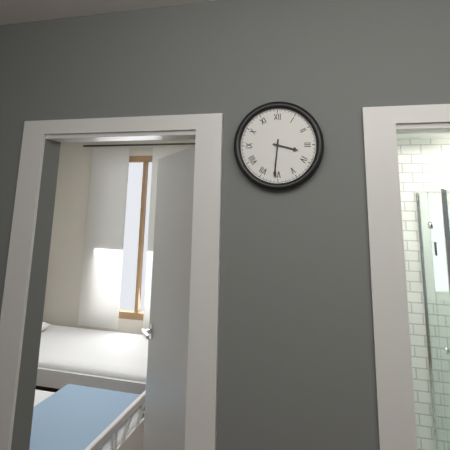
**3:31**
